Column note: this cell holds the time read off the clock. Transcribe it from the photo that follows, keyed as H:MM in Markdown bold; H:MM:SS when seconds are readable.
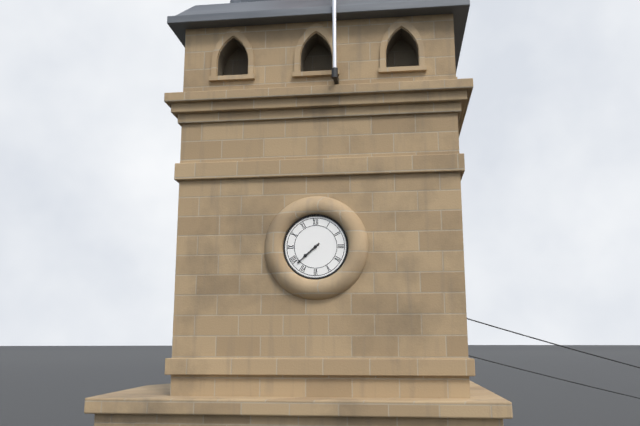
**7:38**
